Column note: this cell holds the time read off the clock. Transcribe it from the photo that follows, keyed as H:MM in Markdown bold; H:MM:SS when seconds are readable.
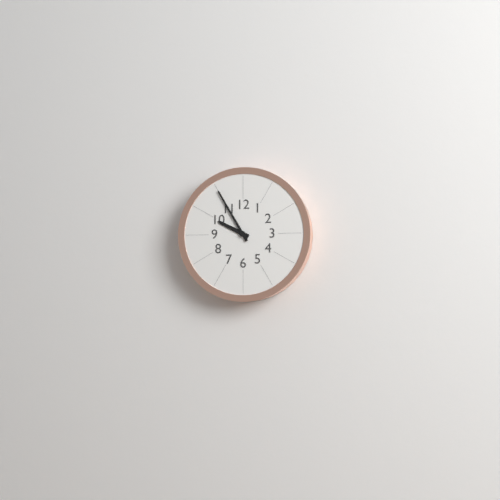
**9:55**
